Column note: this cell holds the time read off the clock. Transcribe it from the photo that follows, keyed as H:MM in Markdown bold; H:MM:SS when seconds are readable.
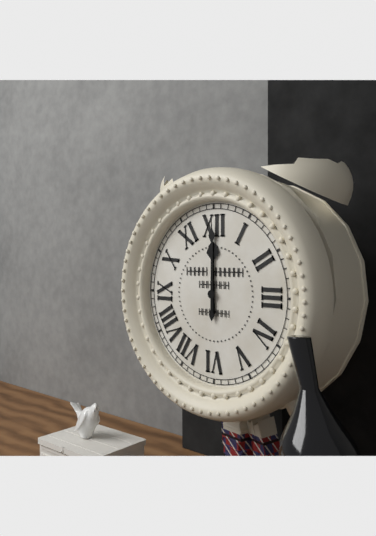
**12:00**
